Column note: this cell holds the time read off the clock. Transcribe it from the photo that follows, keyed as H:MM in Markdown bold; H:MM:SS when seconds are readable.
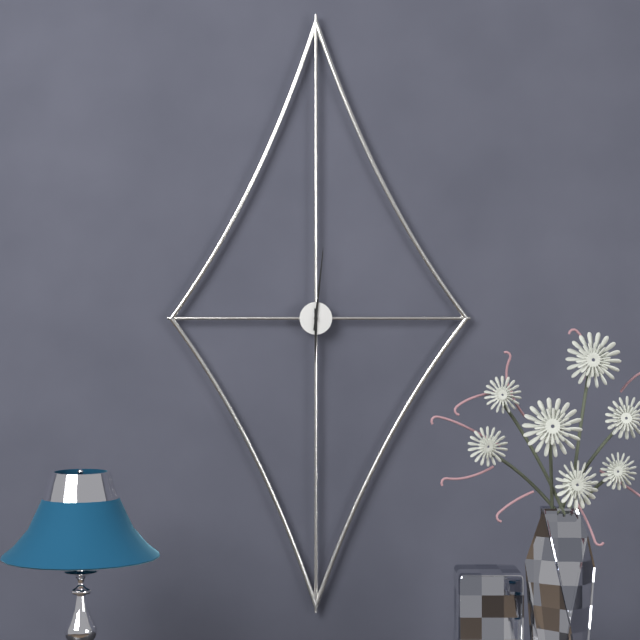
**6:01**
